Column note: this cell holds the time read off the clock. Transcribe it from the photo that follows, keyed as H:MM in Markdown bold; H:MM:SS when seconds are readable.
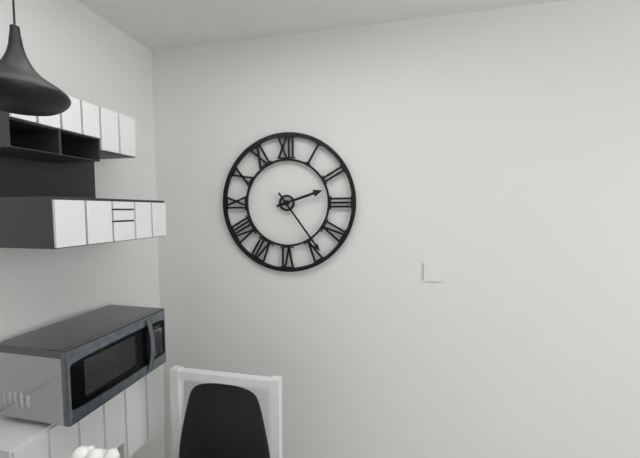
**2:24**
